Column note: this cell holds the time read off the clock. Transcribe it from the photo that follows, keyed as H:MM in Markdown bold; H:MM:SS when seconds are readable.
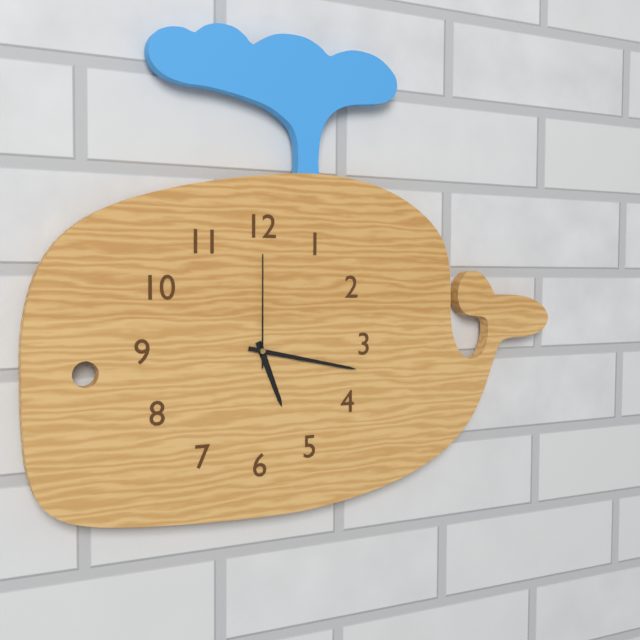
**5:17:00**
